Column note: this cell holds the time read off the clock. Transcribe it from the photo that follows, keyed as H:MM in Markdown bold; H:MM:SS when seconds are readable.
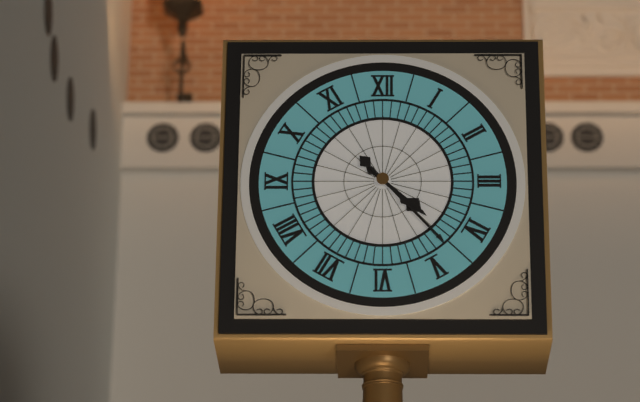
**4:23**
